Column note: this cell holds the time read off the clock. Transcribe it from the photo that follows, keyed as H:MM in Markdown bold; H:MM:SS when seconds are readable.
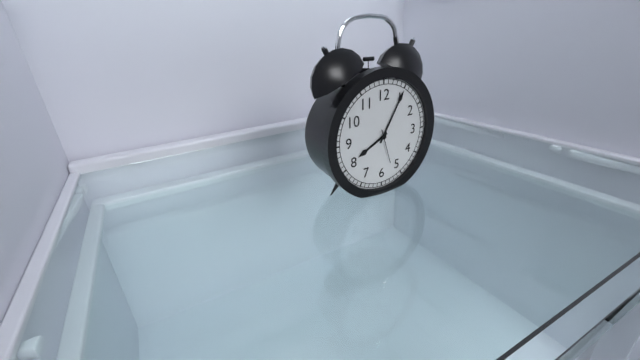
**8:05**
